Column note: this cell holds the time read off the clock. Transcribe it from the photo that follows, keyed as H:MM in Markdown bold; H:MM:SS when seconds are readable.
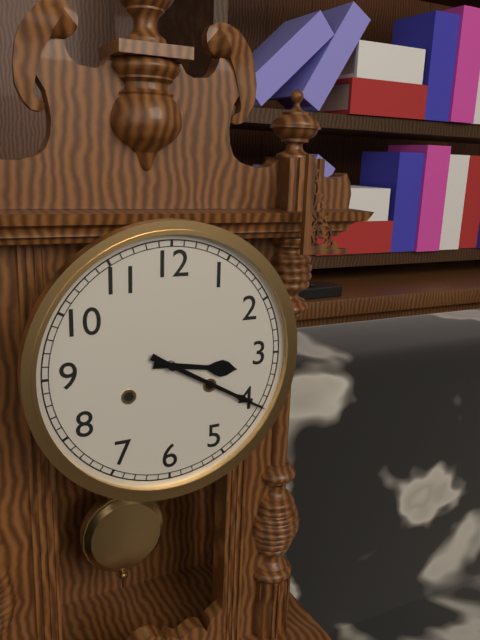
**3:20**
